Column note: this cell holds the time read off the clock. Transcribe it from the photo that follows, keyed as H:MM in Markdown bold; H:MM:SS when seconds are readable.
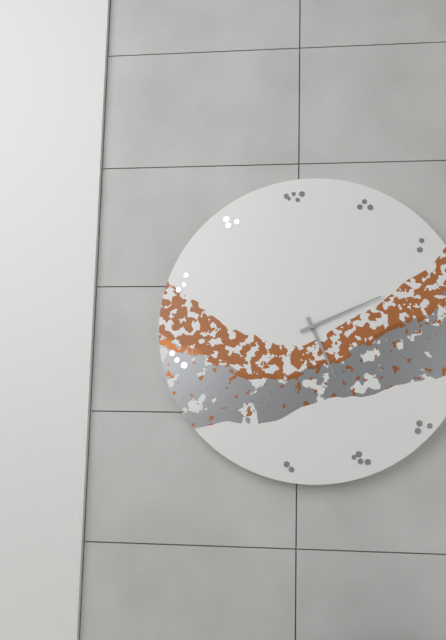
**5:11**
